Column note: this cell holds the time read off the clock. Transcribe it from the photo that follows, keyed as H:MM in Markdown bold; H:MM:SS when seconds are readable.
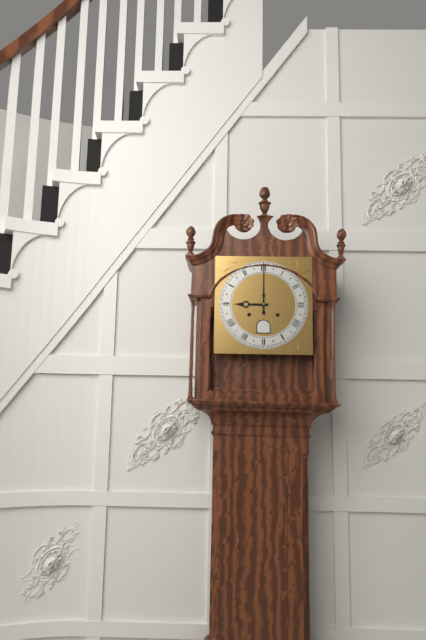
**9:00**
